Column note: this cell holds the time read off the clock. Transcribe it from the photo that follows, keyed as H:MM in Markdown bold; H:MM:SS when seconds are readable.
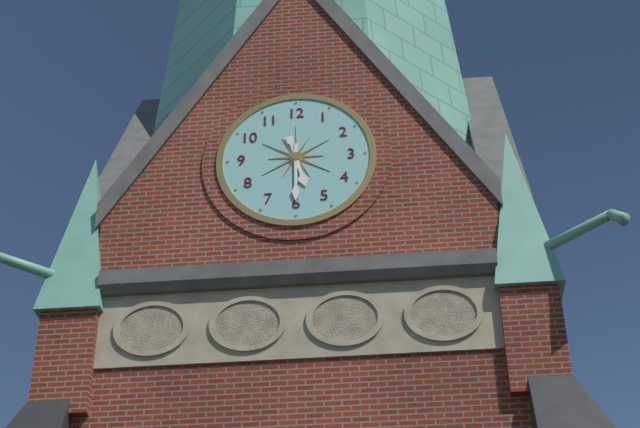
**5:30**
